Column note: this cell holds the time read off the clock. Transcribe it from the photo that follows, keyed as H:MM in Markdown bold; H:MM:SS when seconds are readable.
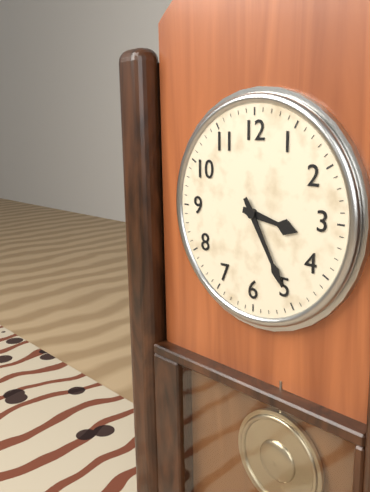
**3:25**
